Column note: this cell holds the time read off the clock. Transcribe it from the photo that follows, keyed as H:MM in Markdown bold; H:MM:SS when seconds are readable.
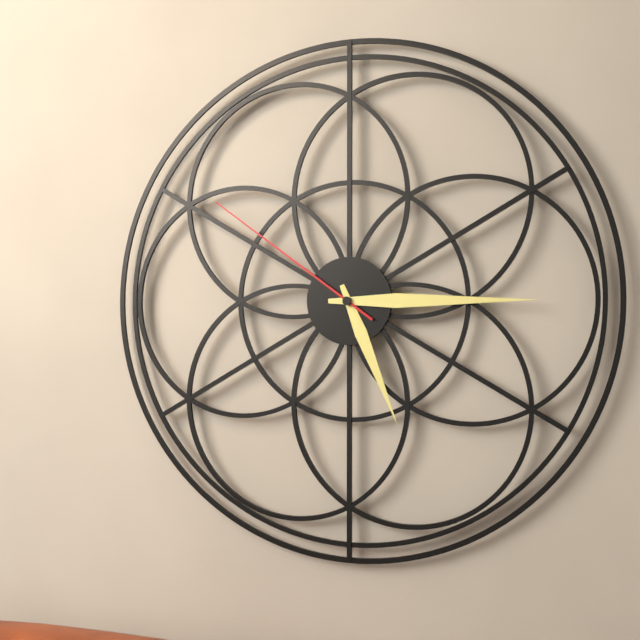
**5:15:51**
